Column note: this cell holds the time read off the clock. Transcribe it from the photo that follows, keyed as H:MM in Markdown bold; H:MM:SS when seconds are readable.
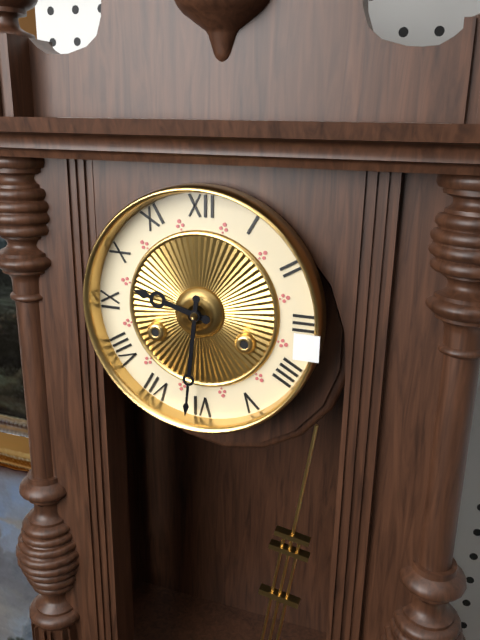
**9:31**
